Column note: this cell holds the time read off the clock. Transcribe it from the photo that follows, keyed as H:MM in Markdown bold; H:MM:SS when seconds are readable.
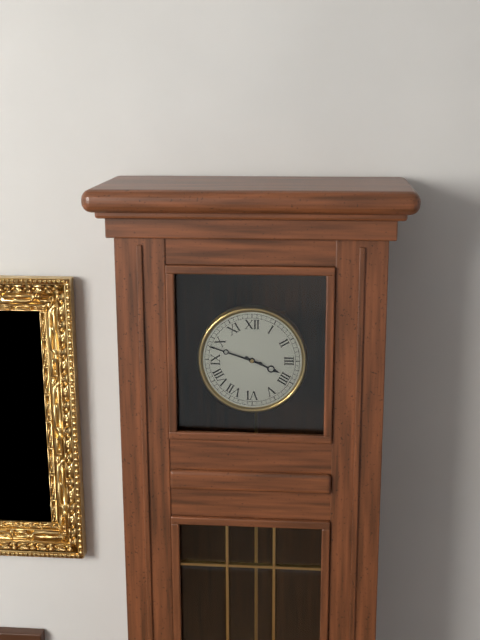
**3:48**
